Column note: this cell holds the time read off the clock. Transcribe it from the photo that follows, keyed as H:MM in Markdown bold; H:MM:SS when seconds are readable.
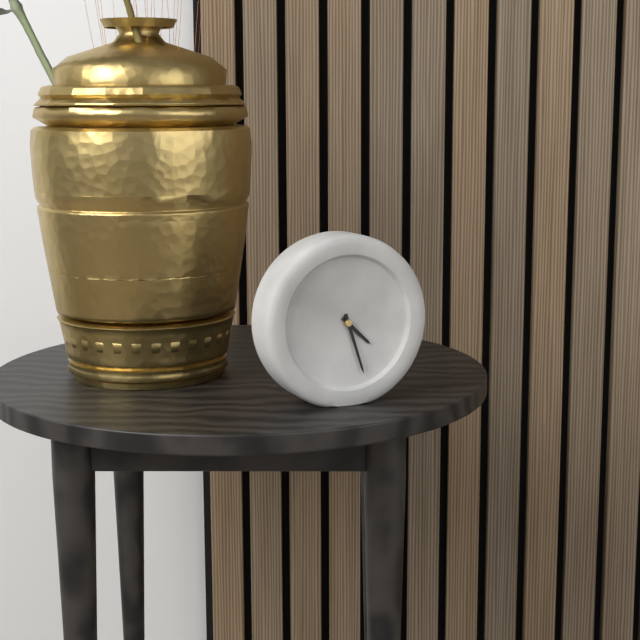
**4:27**
